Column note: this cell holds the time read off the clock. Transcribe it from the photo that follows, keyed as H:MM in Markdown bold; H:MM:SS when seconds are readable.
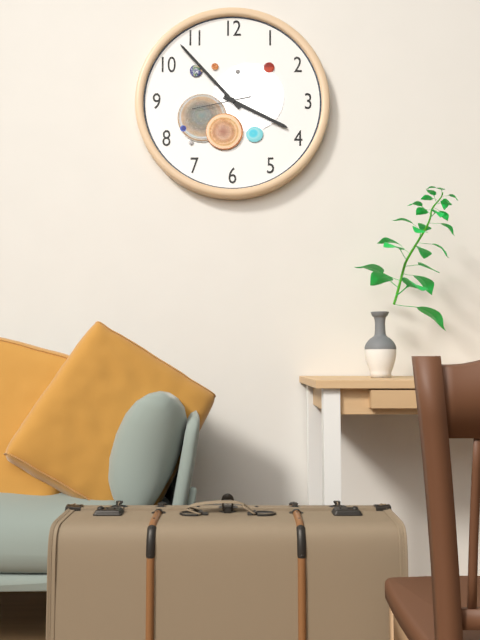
**3:53:43**
